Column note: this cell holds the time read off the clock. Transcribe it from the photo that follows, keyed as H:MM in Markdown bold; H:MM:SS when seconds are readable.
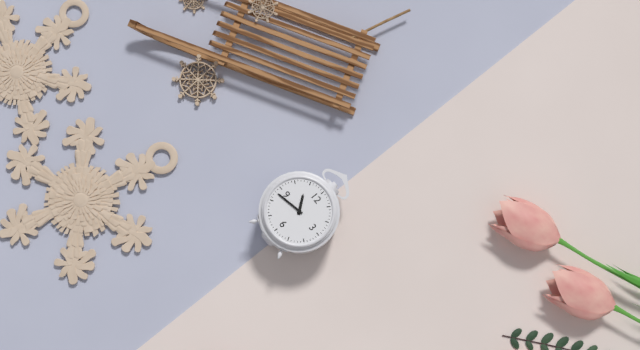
**10:43**
